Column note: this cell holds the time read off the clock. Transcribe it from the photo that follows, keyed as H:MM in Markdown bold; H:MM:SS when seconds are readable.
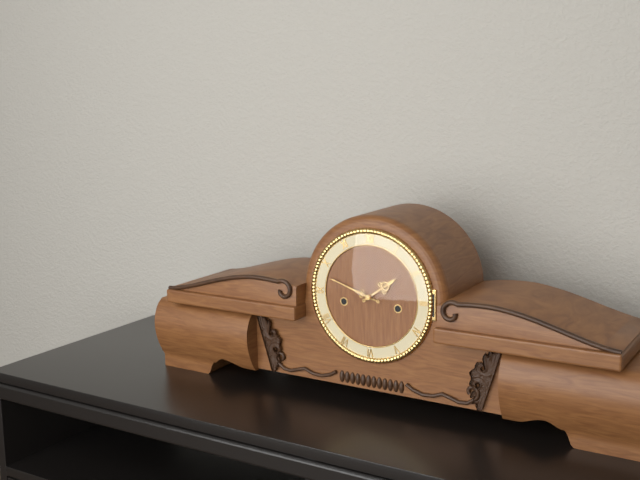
**1:48**
